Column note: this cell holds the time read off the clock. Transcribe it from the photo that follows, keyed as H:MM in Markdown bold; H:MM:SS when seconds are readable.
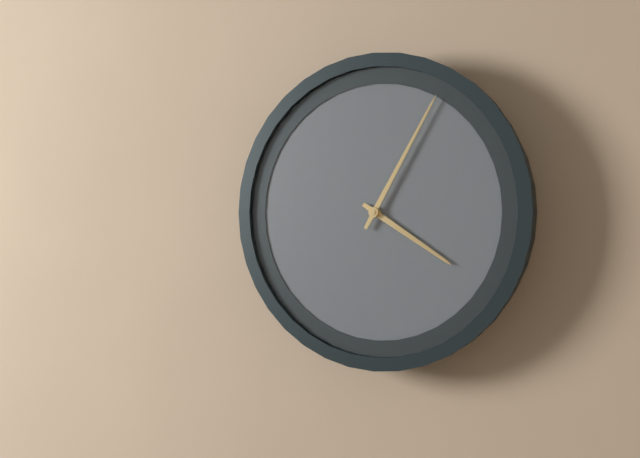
**4:05**
